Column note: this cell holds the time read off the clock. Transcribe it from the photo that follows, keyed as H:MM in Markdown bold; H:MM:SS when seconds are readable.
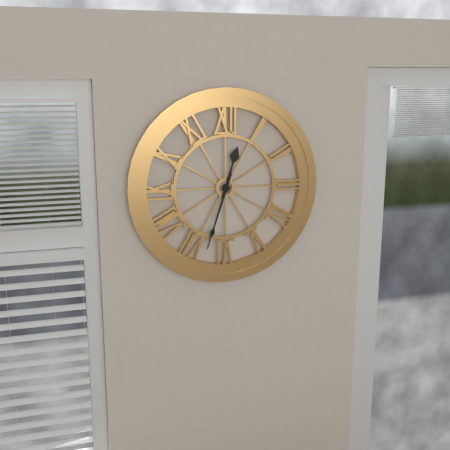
**12:33**
